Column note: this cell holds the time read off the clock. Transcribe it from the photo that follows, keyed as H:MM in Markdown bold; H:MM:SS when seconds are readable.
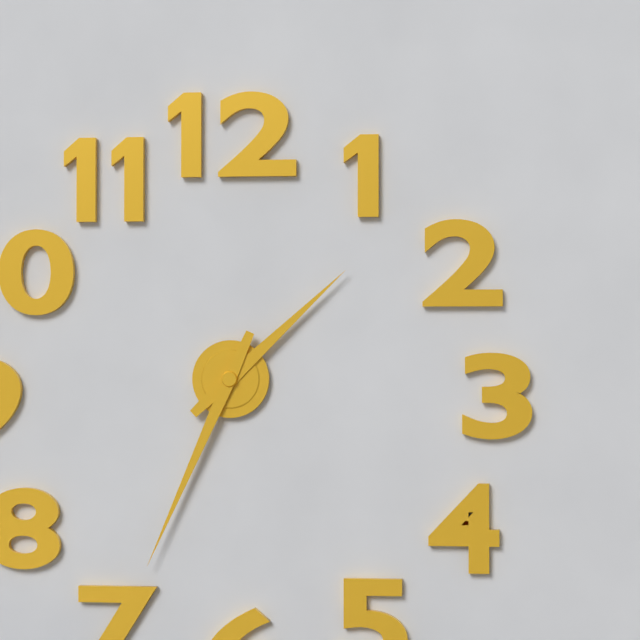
**1:34**
